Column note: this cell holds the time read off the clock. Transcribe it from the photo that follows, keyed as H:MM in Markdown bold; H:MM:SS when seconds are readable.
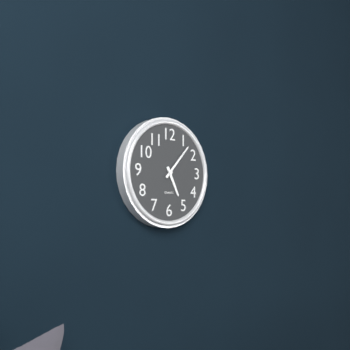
**5:07**
